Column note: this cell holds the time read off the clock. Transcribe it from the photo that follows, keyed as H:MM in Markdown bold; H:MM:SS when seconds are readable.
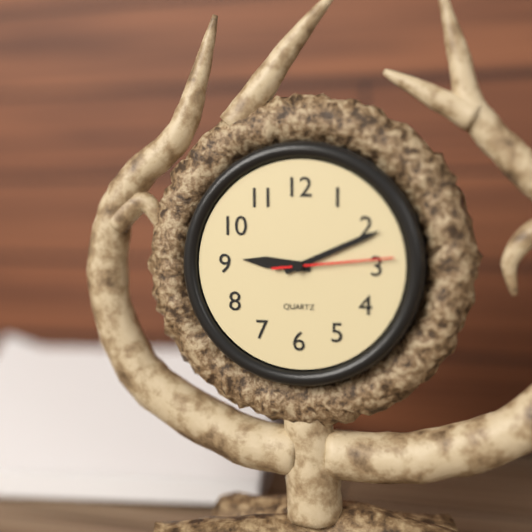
**9:11:14**
